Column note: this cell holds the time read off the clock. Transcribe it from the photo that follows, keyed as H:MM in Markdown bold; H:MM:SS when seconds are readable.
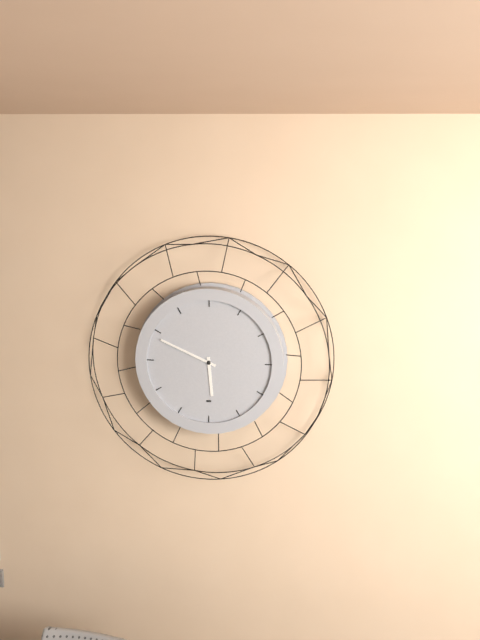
**5:49**
